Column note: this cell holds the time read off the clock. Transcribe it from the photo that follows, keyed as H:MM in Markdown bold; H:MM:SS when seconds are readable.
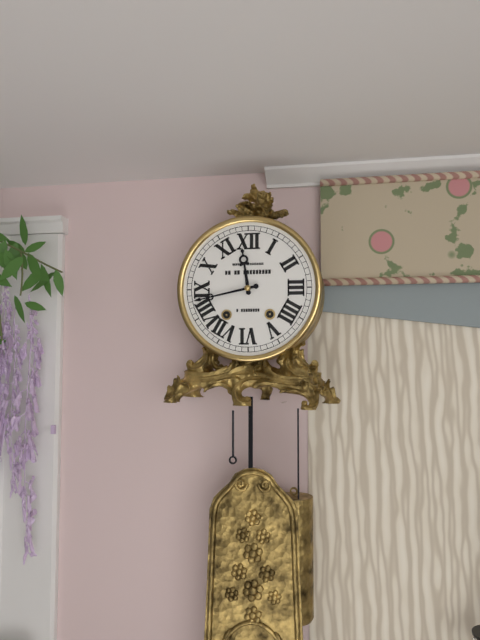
**11:43**
